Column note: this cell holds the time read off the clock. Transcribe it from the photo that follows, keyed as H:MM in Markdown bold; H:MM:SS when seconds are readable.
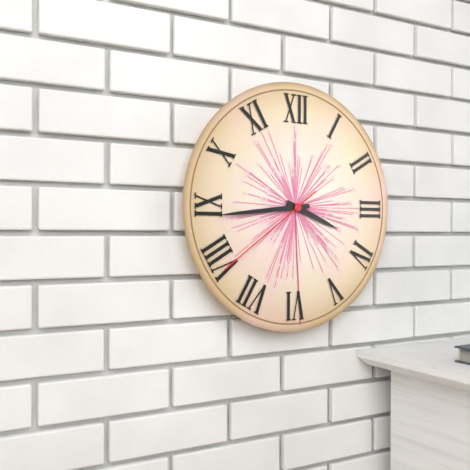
**3:44:39**
